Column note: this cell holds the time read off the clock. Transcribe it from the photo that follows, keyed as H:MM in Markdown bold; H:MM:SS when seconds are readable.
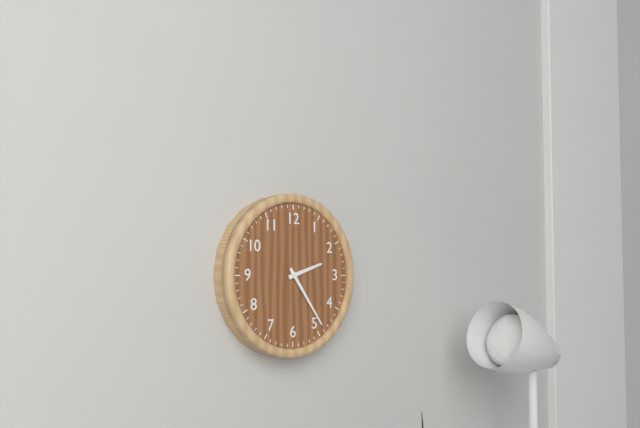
**2:24**
